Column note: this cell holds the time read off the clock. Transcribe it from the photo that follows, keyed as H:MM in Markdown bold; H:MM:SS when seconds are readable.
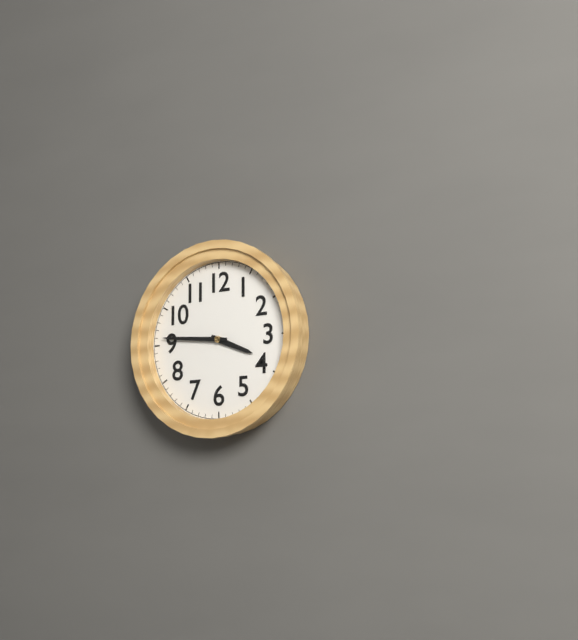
**3:46**
